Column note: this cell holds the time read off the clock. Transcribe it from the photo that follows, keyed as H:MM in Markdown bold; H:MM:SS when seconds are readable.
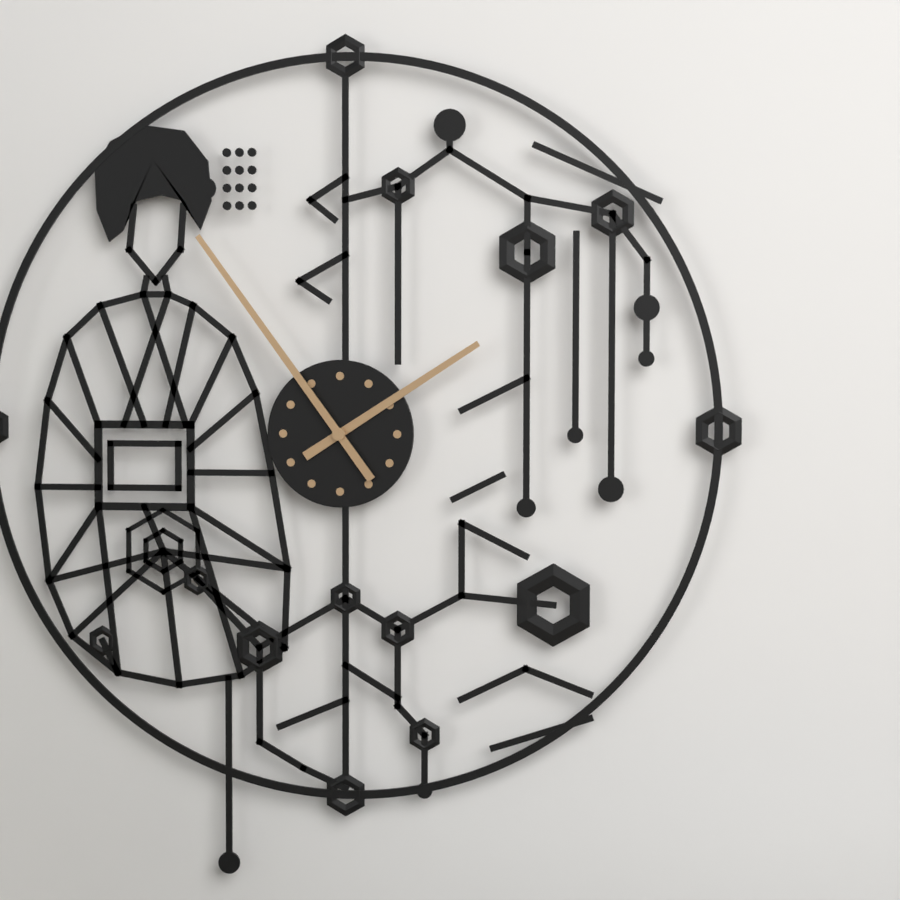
**1:54**
